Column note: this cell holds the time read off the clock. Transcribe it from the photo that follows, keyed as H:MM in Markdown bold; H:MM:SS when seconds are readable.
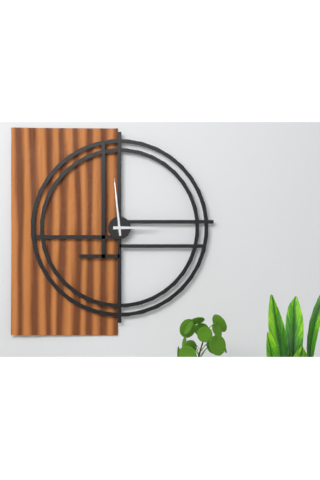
**2:59**
